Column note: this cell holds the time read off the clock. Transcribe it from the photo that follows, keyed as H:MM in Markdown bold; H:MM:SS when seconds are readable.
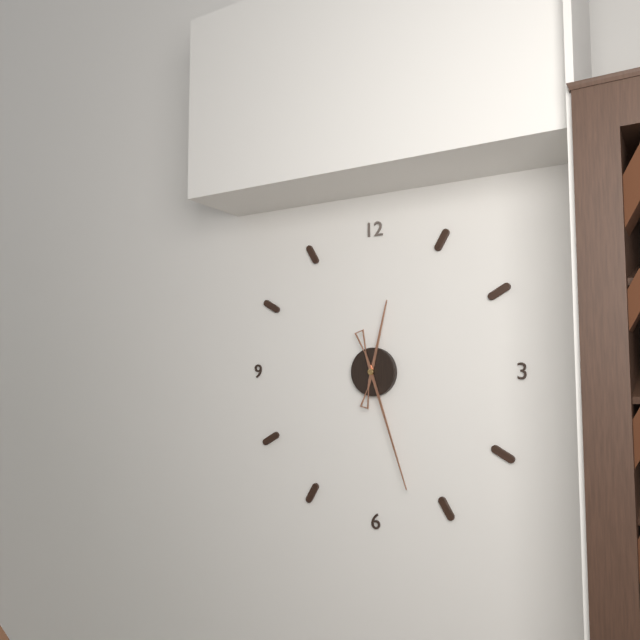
**12:27**
